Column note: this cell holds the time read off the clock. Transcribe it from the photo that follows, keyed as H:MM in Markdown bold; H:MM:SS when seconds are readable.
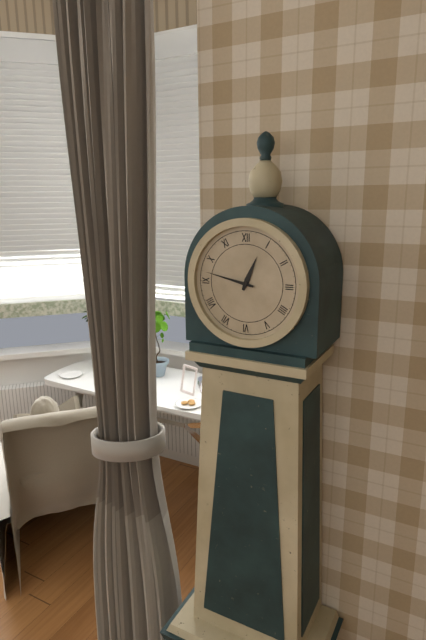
**12:47**
